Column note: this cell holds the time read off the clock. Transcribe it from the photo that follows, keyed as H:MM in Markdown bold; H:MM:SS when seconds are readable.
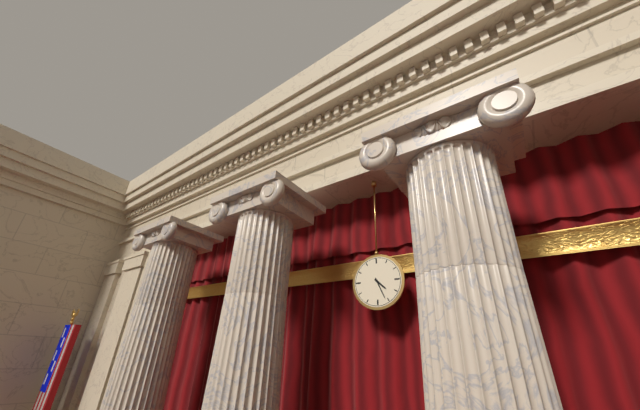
**4:26**
